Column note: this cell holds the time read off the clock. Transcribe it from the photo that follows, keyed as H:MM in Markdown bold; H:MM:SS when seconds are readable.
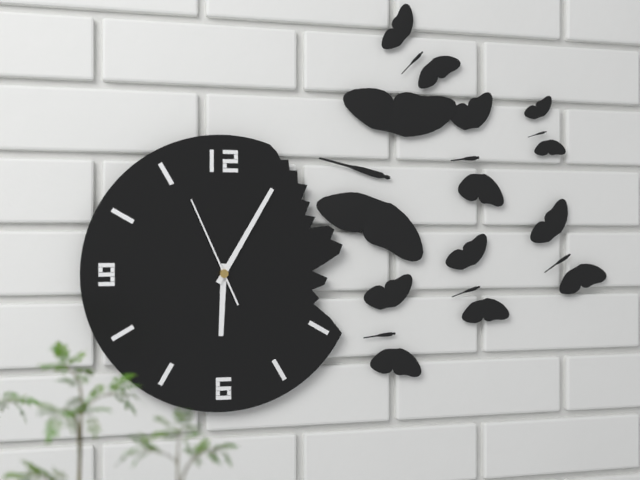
**6:05:56**
